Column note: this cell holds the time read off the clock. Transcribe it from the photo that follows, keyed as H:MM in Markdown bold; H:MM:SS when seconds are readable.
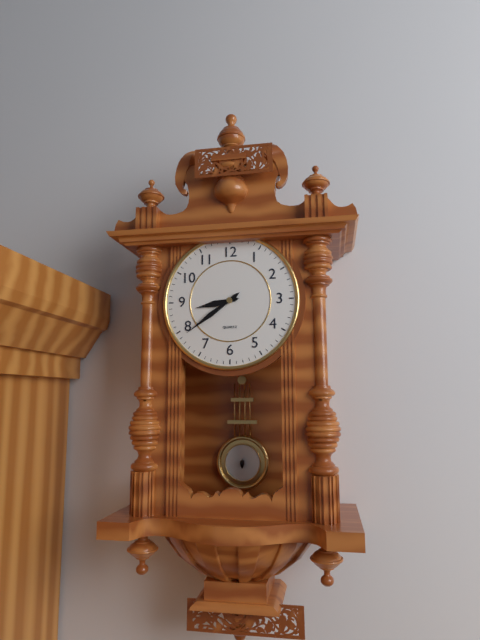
**8:39**
